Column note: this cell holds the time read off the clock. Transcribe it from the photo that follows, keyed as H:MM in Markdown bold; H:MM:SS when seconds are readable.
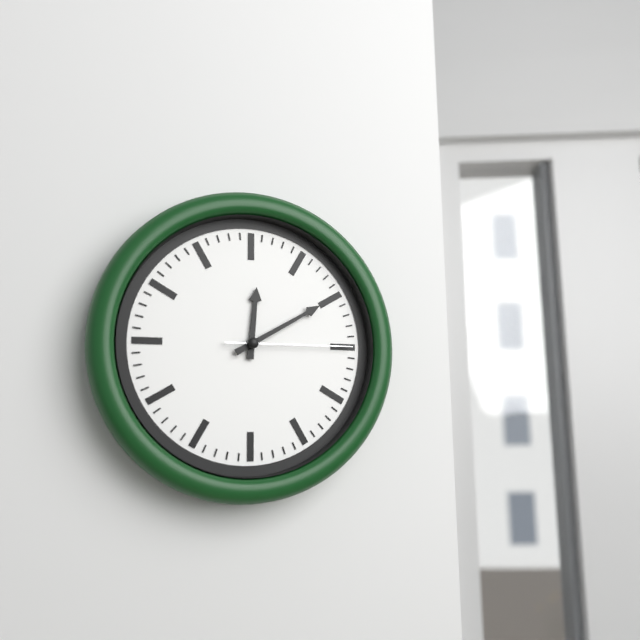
**12:10:15**
